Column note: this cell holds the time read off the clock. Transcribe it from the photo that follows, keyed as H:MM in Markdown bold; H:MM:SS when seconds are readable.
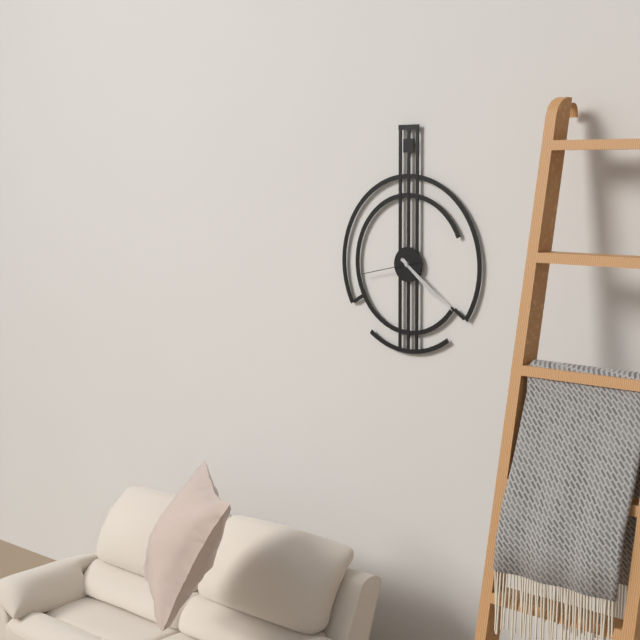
**4:21:43**
